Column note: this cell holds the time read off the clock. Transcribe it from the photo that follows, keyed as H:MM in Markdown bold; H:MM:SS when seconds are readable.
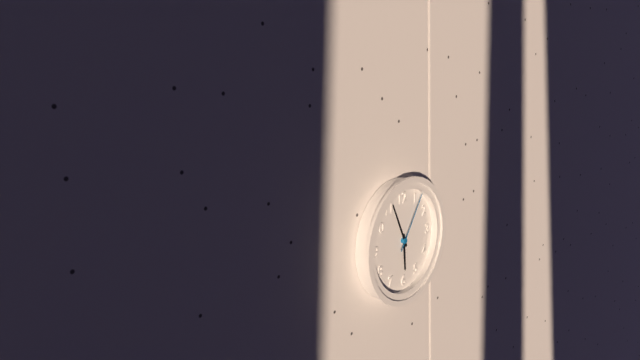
**5:56:06**
